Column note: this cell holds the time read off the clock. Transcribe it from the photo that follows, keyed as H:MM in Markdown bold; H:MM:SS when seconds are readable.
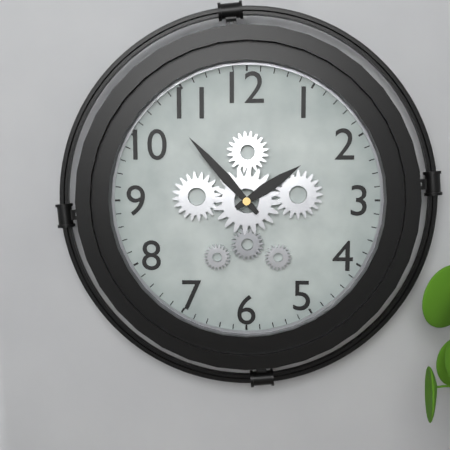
**1:53**
